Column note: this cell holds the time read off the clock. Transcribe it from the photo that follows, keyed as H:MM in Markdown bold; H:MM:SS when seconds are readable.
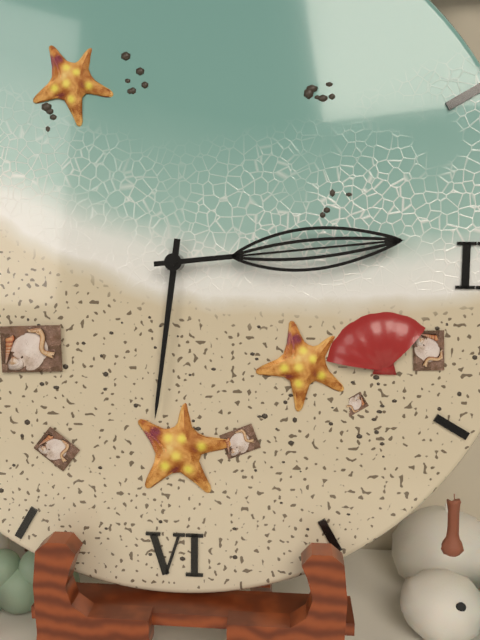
**6:14**
